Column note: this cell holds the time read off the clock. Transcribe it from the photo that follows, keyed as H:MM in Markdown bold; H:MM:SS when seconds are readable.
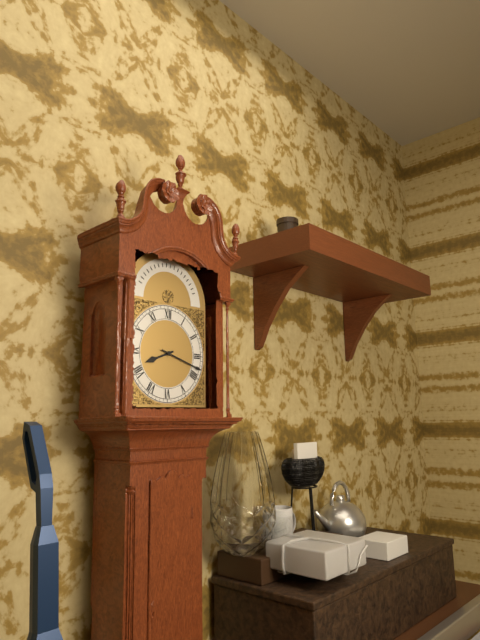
**8:18**
